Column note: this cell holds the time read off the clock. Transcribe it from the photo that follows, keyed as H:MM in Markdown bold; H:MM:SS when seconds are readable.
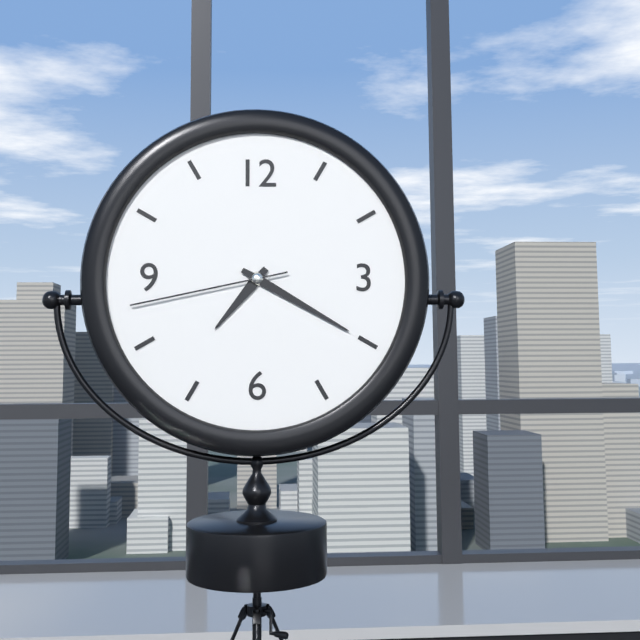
**7:20:43**
